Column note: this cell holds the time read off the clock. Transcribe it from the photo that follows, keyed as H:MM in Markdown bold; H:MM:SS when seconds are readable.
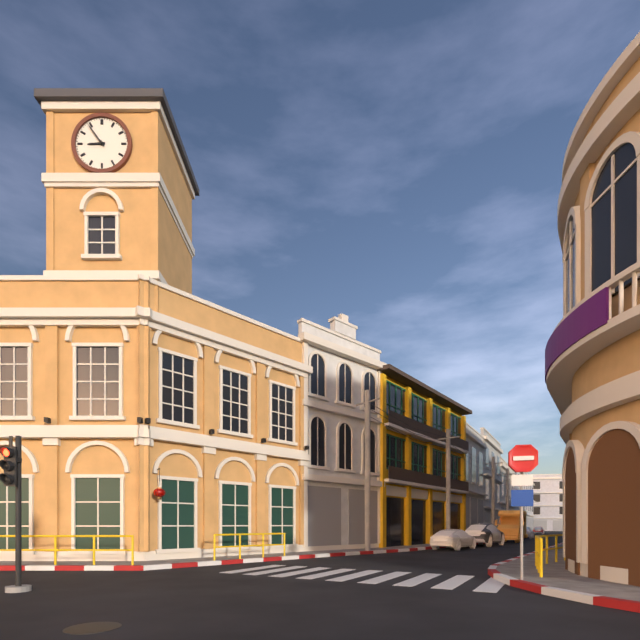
**8:54**
